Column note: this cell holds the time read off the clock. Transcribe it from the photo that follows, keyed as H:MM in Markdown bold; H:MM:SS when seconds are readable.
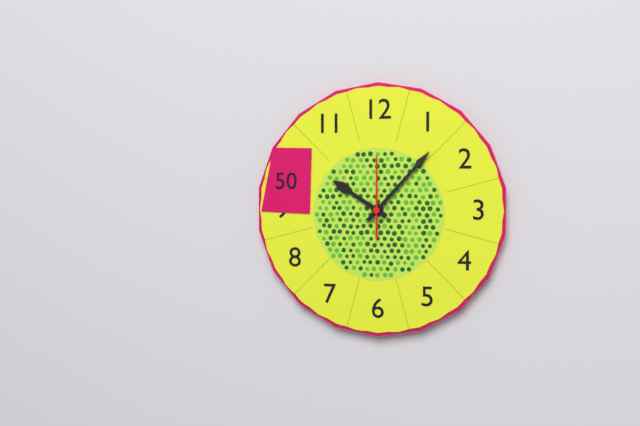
**10:07:00**
